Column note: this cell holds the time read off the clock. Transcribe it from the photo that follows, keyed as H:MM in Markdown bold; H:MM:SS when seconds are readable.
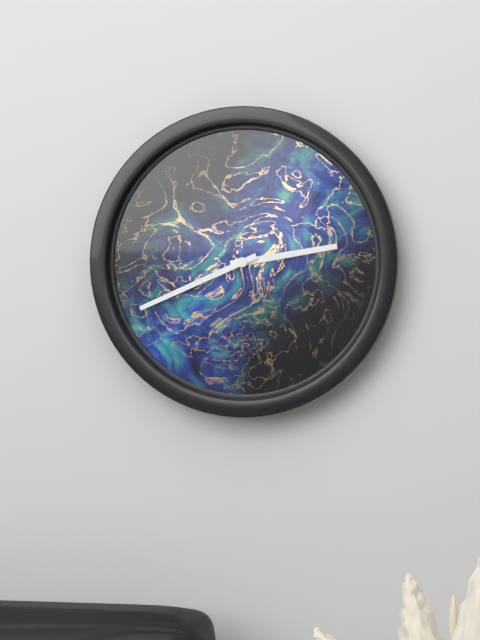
**2:41**
